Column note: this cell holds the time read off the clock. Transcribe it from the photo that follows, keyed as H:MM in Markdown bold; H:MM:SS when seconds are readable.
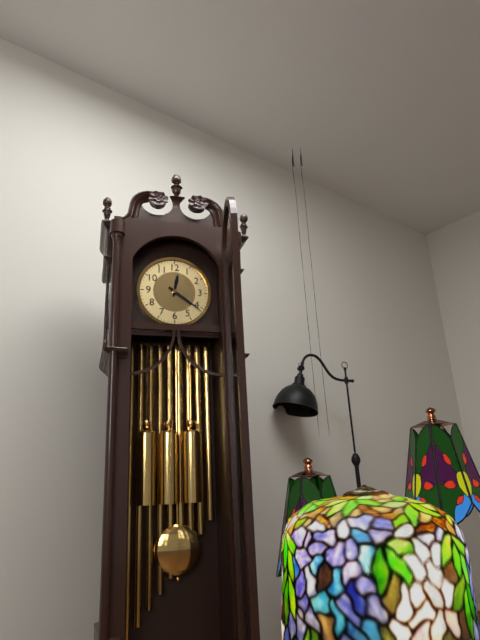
**12:21**
